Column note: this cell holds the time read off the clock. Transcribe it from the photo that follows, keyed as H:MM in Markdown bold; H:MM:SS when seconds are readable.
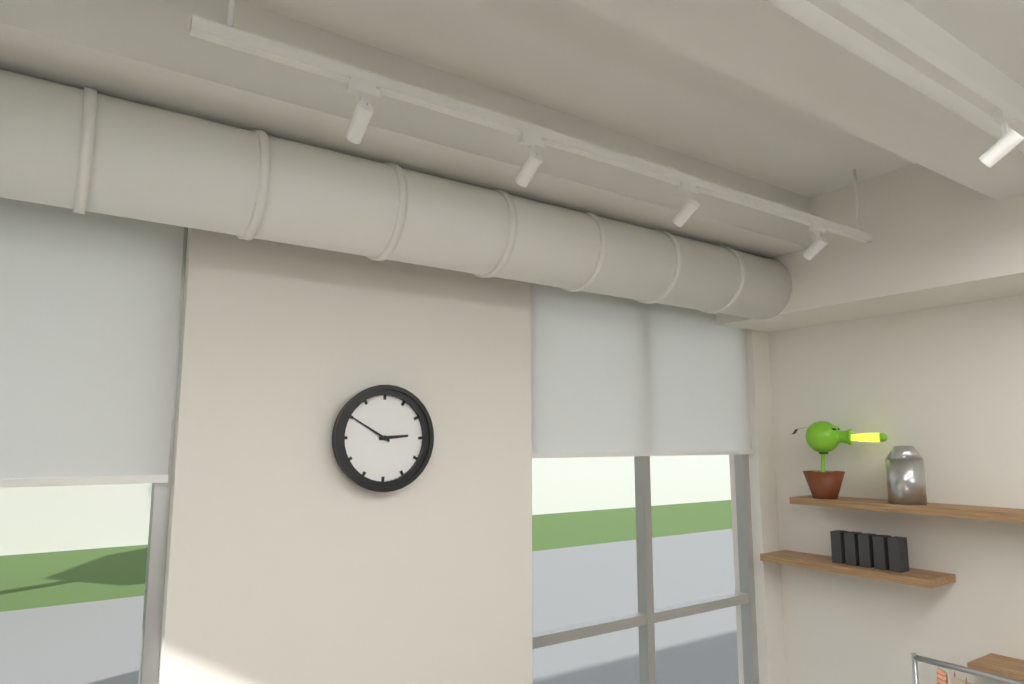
**2:50**
